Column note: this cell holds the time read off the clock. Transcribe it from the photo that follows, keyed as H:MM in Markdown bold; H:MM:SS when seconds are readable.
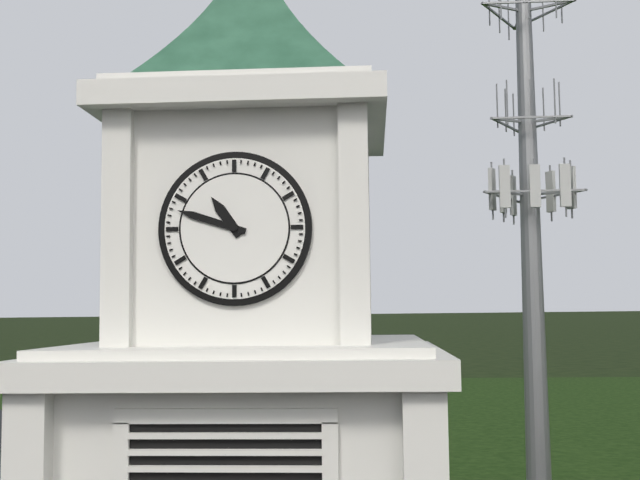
**10:48**
